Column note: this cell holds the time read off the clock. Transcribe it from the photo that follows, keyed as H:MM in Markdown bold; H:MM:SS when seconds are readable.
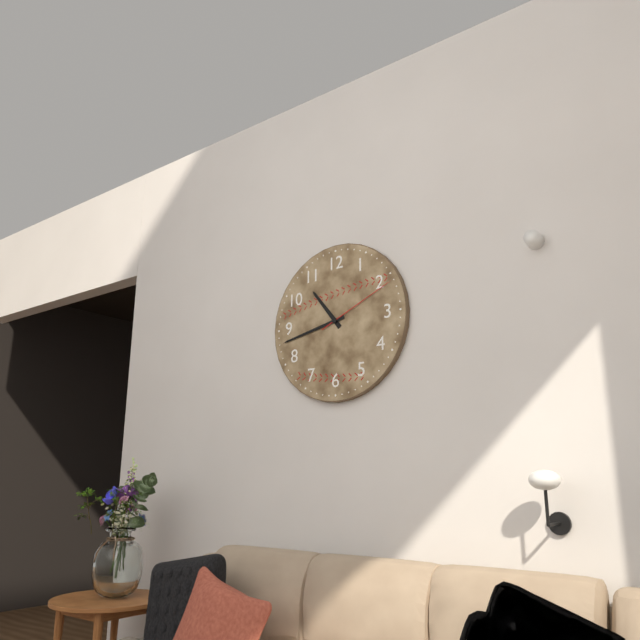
**10:43:11**
